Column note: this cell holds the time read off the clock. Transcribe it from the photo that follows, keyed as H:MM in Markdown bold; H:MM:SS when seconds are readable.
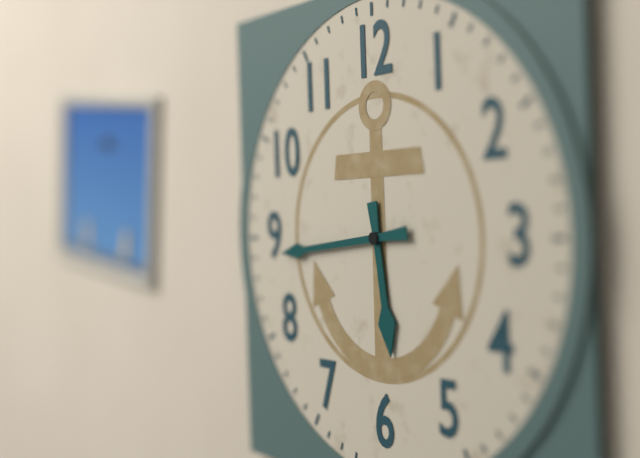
**5:44**
